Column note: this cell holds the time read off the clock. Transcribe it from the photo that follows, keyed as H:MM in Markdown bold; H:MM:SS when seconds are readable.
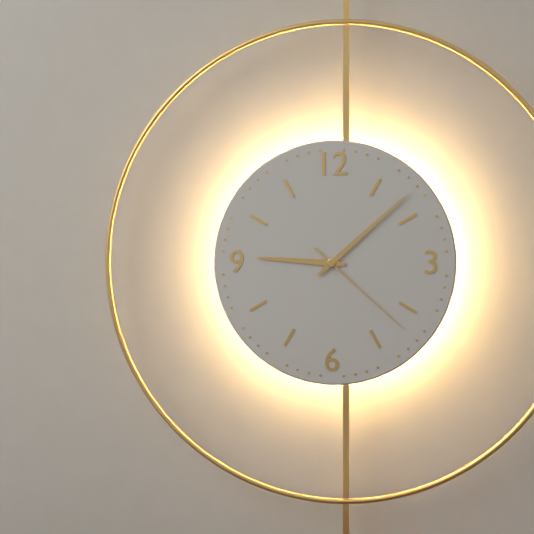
**9:08:22**
